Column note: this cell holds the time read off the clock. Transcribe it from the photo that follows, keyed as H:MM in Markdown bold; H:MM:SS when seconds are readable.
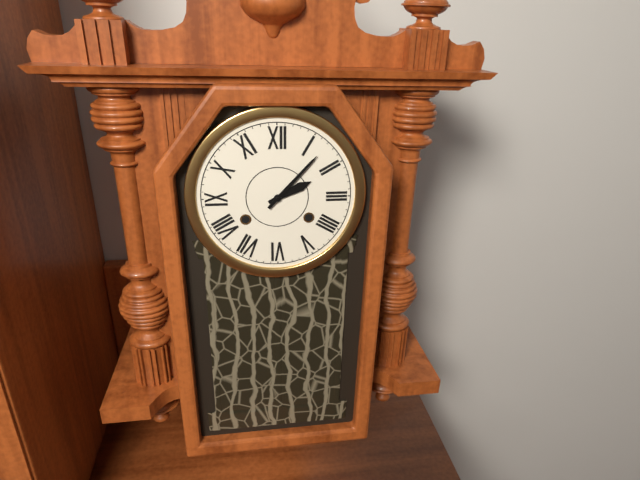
**2:07**
